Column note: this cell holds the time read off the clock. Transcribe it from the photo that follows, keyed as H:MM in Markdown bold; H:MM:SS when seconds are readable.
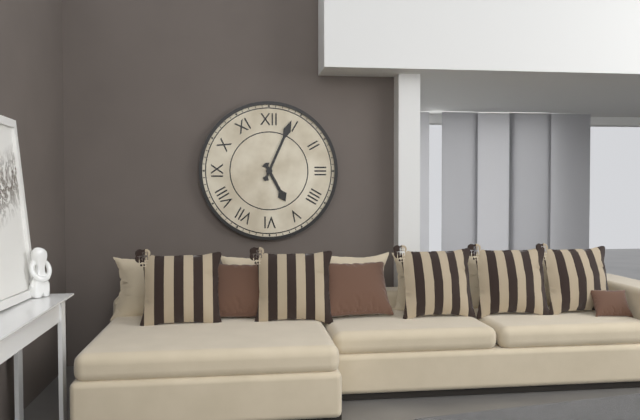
**5:04**
